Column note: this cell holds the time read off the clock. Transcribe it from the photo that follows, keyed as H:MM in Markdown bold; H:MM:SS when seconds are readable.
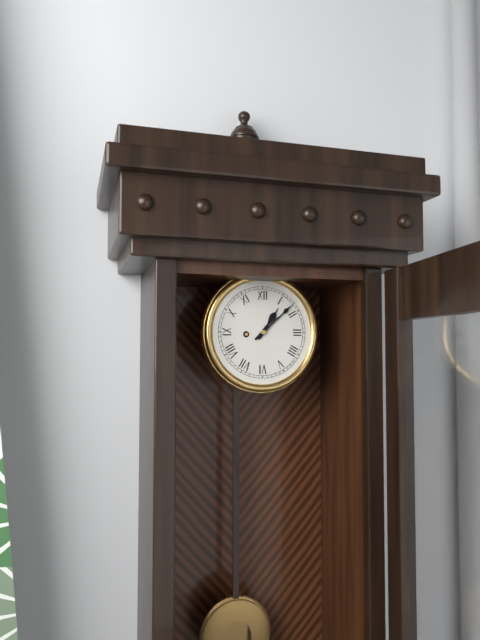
**1:08**
